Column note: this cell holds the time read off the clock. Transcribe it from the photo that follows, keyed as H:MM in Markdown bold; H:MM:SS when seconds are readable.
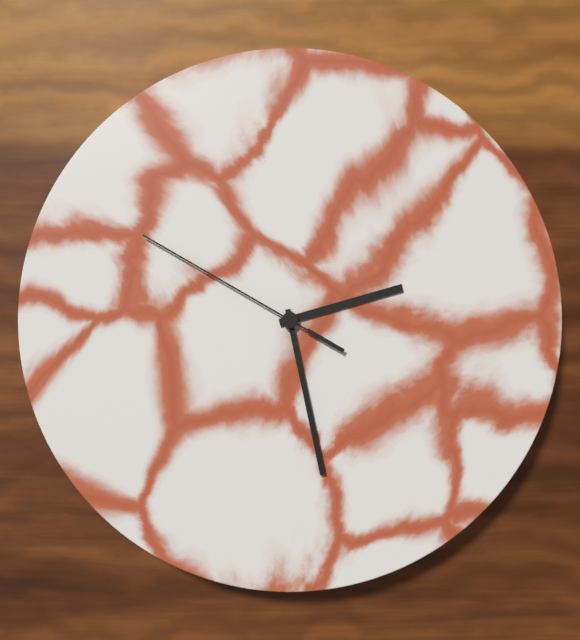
**2:28:50**
